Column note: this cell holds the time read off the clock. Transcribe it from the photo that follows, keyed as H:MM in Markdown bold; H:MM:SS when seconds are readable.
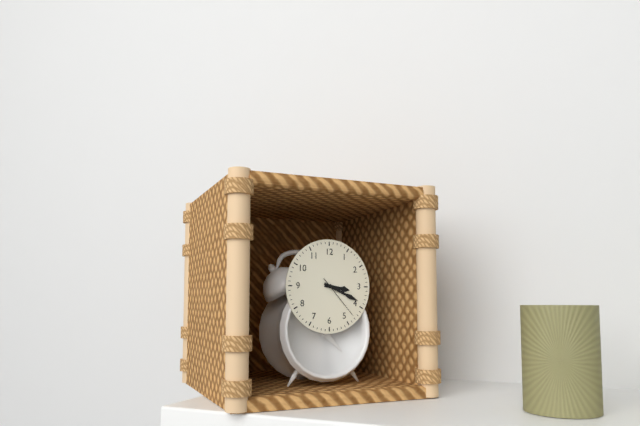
**3:19**
